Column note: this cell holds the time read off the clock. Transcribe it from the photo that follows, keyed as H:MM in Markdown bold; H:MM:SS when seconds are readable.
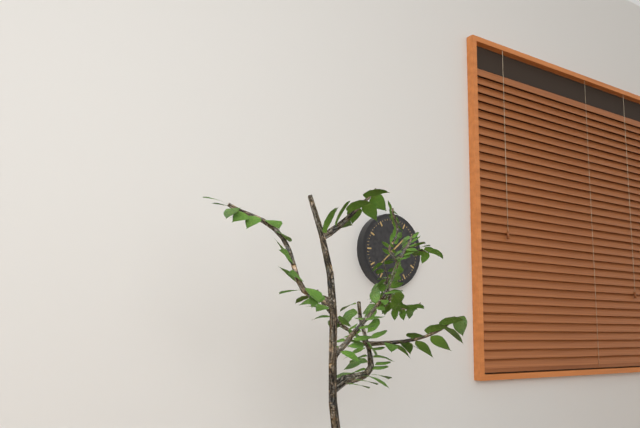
**1:38**
